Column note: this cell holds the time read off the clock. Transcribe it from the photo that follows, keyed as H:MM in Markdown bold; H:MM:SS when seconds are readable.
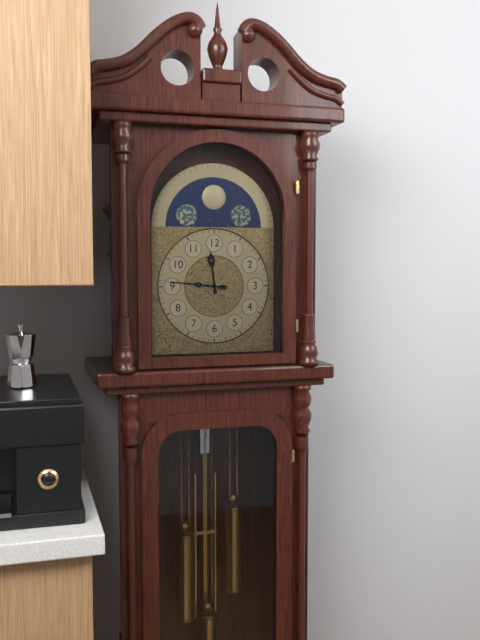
**11:46**
